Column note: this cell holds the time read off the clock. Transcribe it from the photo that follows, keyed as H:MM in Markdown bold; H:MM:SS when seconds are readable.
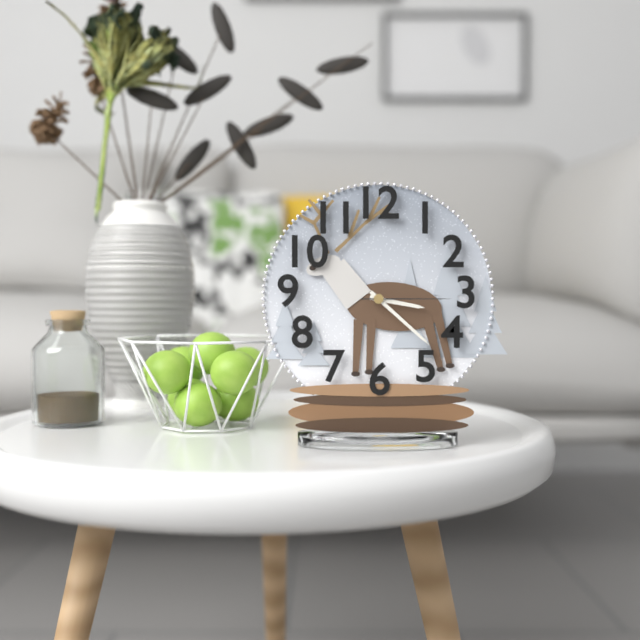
**3:22:15**
